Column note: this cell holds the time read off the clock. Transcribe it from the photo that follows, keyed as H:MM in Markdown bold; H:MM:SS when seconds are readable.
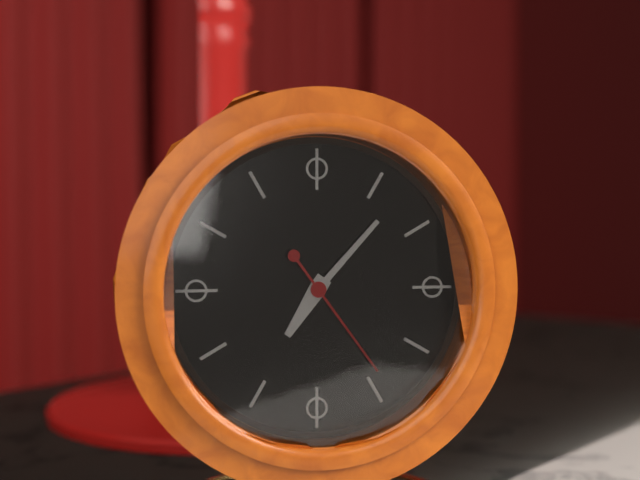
**7:07:24**
